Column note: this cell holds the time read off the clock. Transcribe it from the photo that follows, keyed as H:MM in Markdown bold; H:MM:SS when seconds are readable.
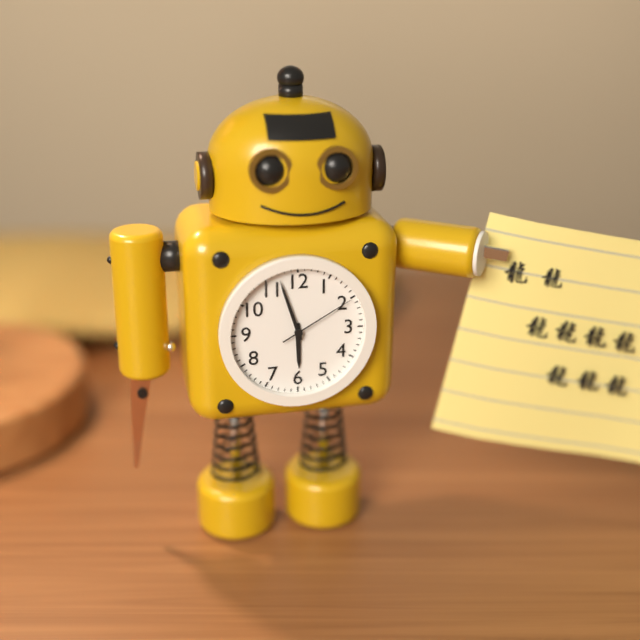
**5:57:10**
